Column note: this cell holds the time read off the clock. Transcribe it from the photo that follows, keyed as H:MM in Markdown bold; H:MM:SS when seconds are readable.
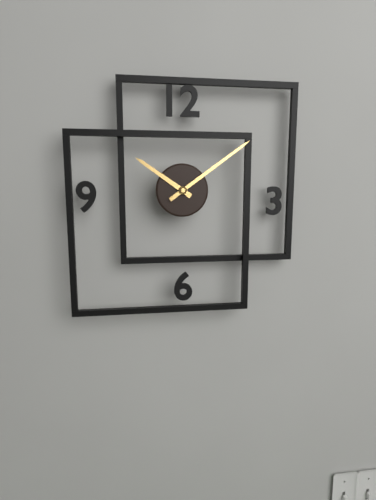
**10:09**
